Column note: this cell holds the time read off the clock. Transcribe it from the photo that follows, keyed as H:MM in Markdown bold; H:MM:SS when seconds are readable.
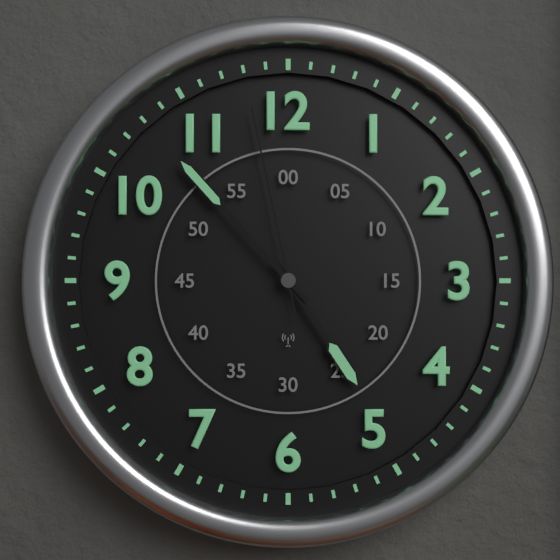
**4:53:58**
